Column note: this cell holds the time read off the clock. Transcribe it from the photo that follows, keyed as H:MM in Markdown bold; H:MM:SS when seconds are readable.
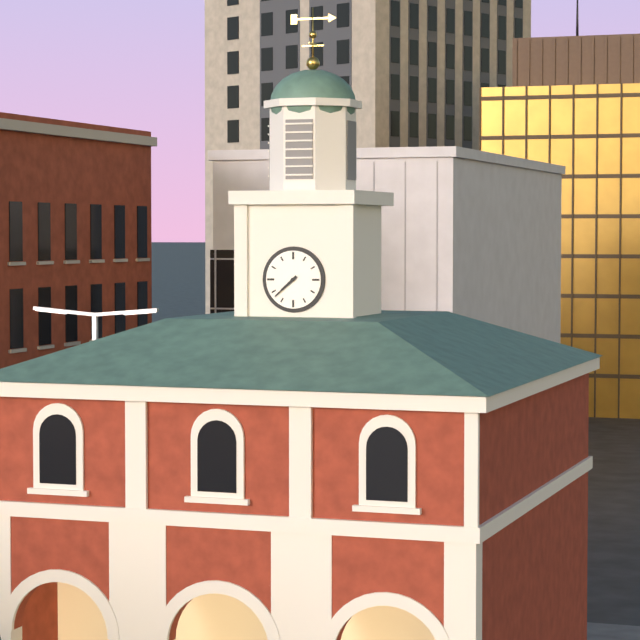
**7:38**
